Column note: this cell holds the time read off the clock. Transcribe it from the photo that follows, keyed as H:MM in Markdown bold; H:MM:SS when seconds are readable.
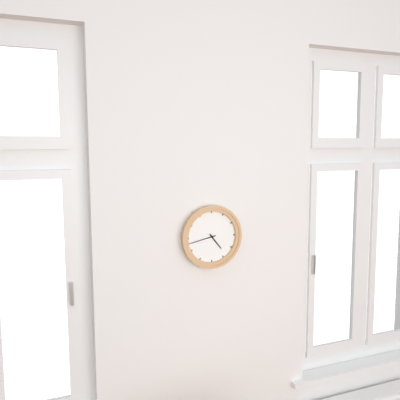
**4:43**
